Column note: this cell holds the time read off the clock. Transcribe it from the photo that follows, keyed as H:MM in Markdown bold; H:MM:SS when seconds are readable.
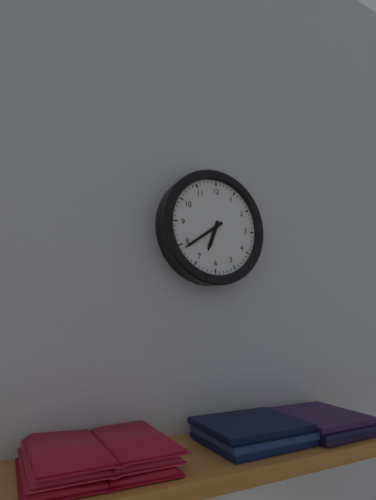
**6:39**
